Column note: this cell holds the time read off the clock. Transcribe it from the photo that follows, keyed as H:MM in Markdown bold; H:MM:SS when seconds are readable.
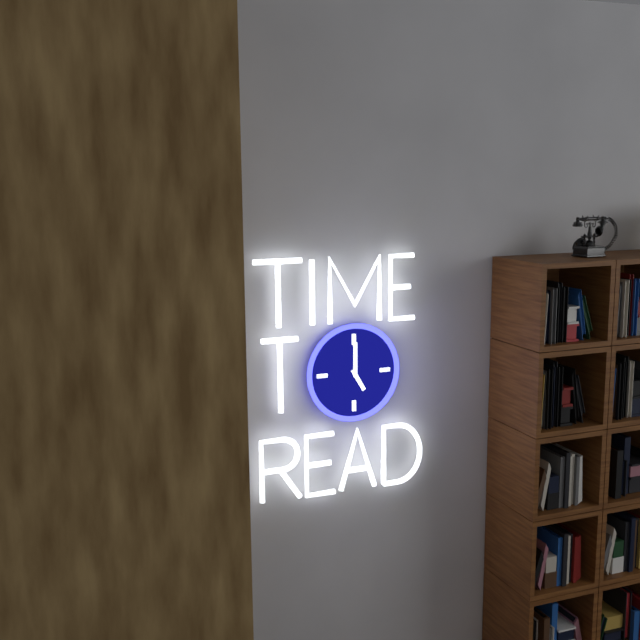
**5:00**
